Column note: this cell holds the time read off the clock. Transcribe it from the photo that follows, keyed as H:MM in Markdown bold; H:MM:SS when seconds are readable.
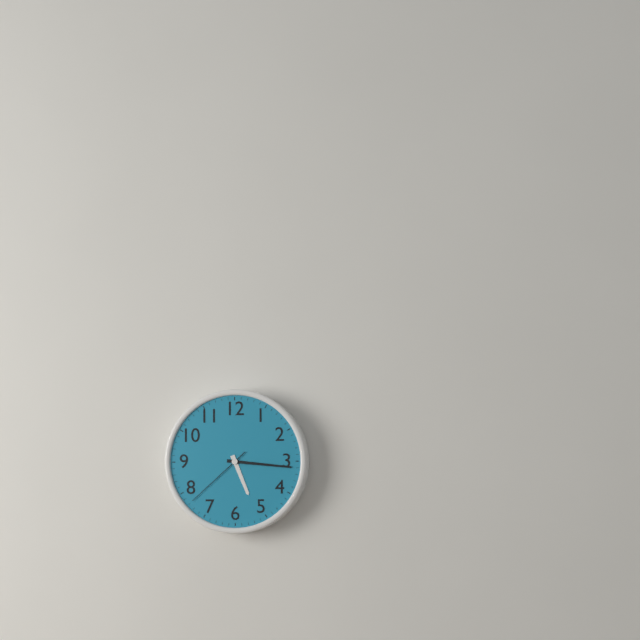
**5:16:38**
